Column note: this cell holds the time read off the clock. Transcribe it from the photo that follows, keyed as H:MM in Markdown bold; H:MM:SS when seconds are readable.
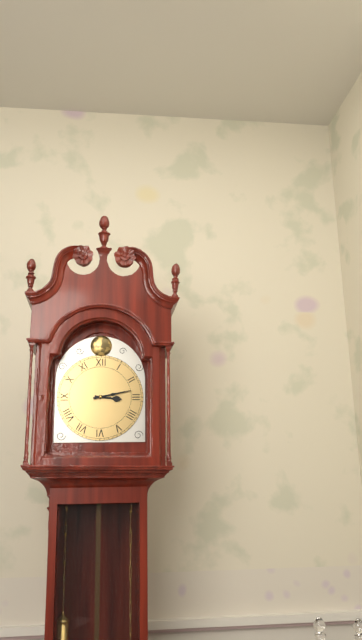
**3:13**
